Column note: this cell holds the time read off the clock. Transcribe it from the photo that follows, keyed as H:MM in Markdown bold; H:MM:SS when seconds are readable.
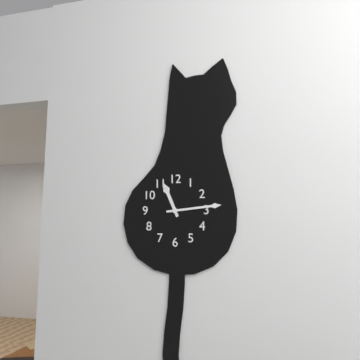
**11:14**
